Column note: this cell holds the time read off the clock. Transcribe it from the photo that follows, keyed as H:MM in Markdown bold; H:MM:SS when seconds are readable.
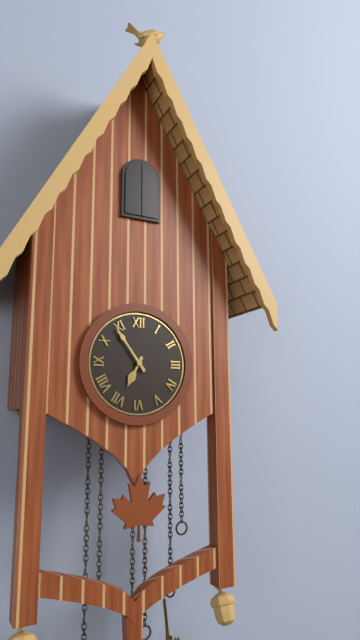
**6:54**
